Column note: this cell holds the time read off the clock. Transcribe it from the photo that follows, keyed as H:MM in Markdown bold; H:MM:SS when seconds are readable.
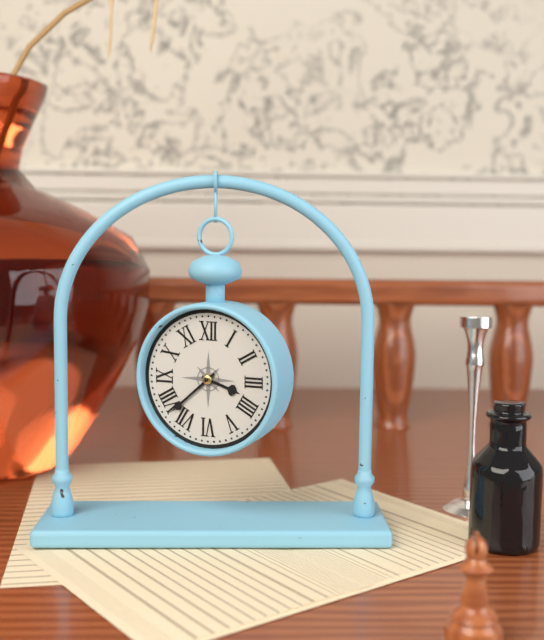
**3:38**
